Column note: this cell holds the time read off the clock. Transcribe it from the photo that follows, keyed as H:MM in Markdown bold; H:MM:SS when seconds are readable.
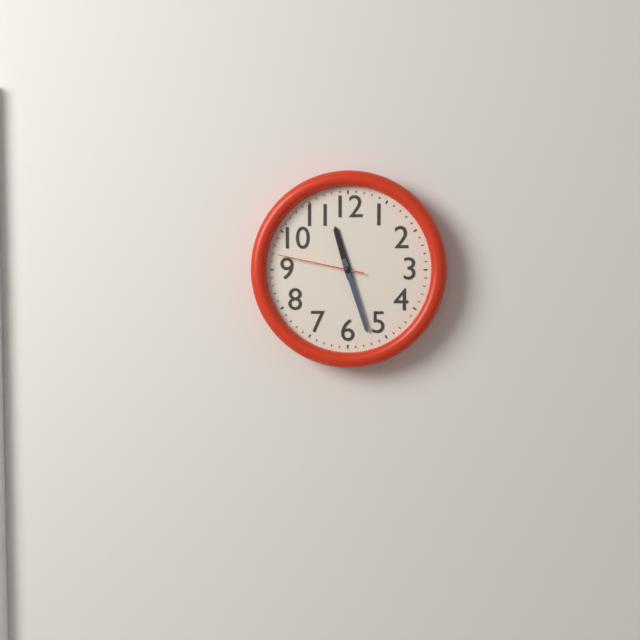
**11:27:47**
